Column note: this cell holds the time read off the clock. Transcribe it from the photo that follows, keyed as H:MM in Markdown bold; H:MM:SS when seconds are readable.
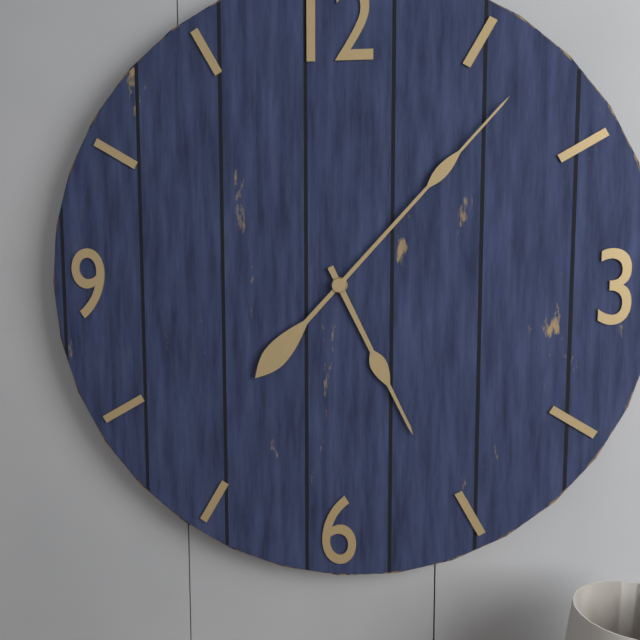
**5:07**
